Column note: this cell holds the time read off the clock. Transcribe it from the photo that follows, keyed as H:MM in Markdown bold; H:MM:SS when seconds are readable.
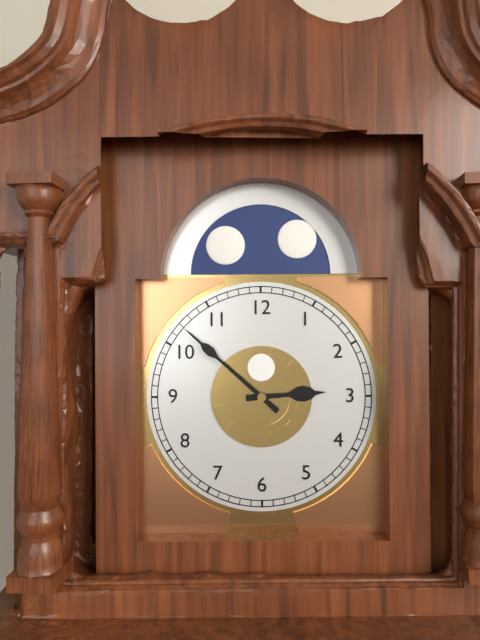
**2:52**
